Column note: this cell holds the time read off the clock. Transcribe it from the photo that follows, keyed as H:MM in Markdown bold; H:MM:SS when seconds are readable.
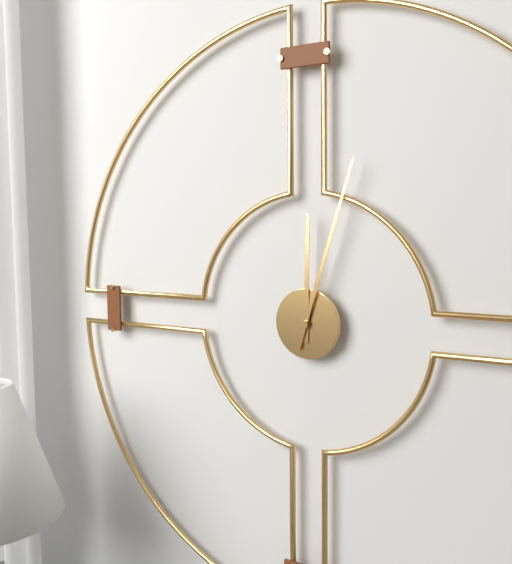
**12:03**
